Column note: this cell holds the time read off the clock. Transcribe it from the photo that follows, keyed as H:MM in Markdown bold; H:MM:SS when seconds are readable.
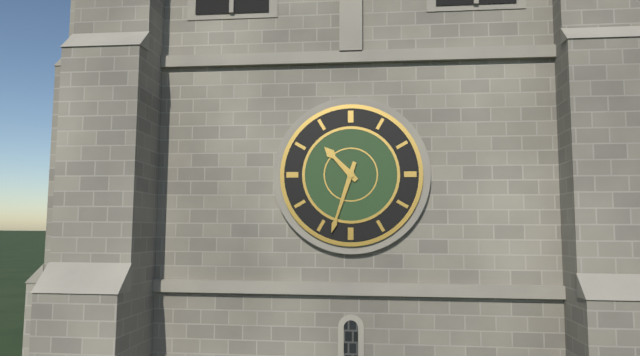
**10:33**
